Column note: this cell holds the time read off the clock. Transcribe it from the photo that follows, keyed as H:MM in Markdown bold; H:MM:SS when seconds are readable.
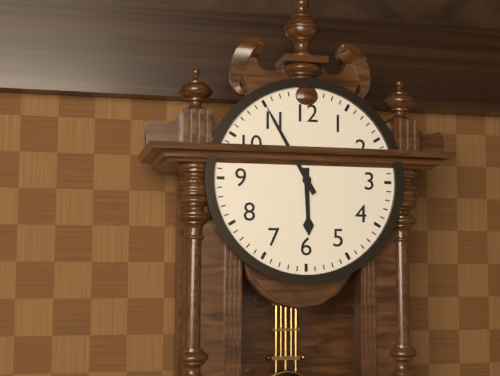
**5:55**
